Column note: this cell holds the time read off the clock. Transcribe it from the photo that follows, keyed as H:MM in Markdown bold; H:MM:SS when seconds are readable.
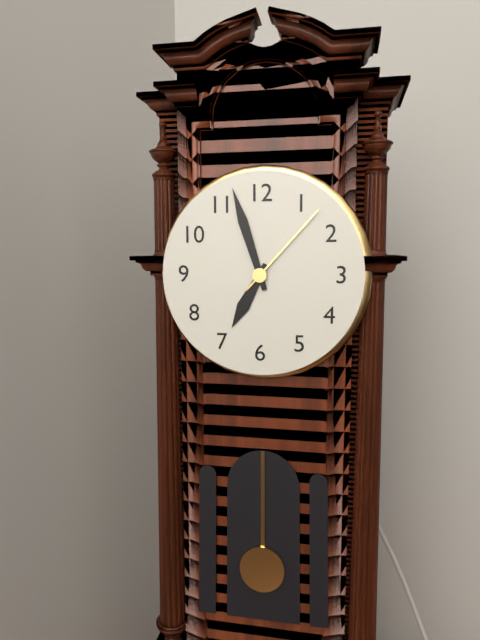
**6:57:07**
